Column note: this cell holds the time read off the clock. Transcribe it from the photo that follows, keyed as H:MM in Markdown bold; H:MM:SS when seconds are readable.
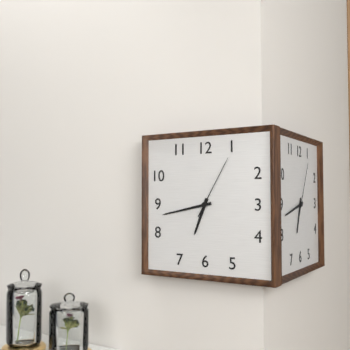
**6:43:05**
